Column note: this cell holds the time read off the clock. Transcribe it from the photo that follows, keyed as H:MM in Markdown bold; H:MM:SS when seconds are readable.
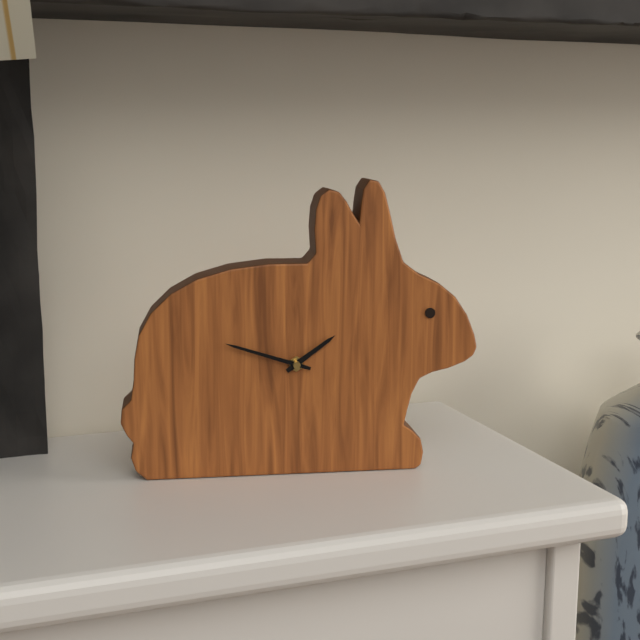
**1:48**
